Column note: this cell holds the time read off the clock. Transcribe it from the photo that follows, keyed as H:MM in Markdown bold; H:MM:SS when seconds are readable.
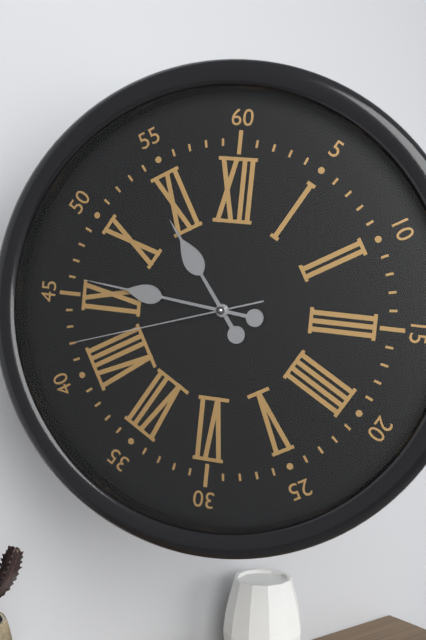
**10:46:42**
